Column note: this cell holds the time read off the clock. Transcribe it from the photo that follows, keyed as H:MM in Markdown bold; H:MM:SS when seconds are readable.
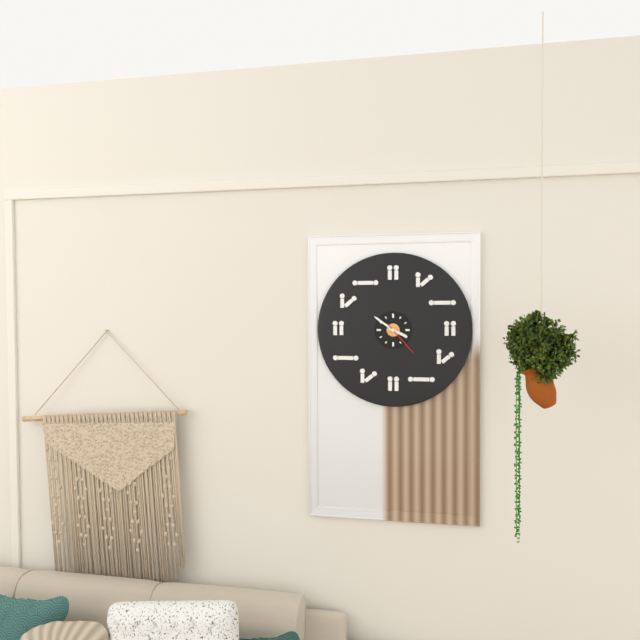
**3:51**
